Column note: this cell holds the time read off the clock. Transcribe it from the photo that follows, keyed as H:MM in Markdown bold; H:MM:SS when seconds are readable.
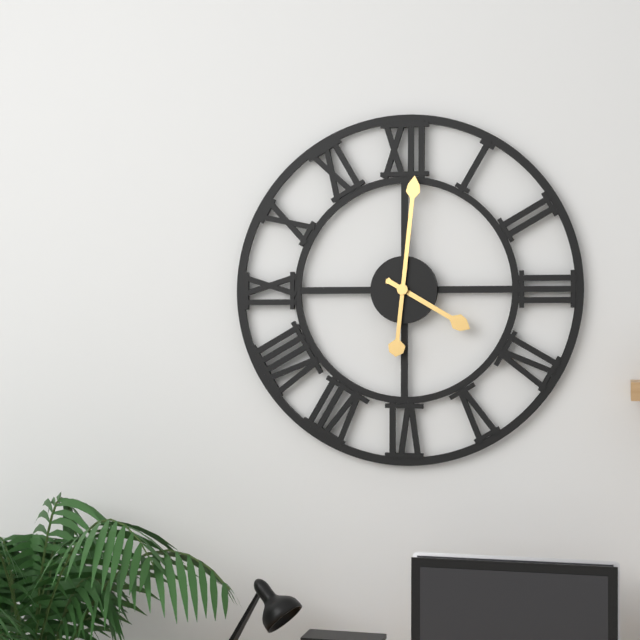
**4:01**
